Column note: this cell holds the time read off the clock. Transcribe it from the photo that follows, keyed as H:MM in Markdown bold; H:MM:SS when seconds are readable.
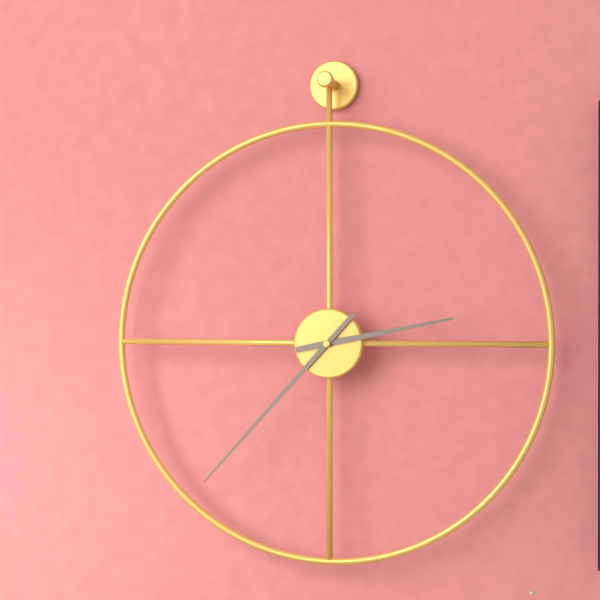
**2:37**
